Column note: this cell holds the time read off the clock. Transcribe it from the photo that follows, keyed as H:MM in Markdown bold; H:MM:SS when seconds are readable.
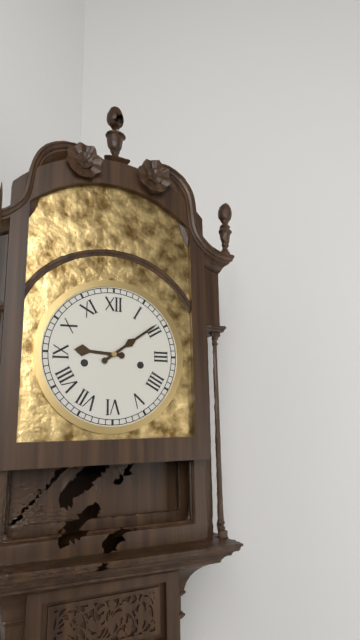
**9:09**
